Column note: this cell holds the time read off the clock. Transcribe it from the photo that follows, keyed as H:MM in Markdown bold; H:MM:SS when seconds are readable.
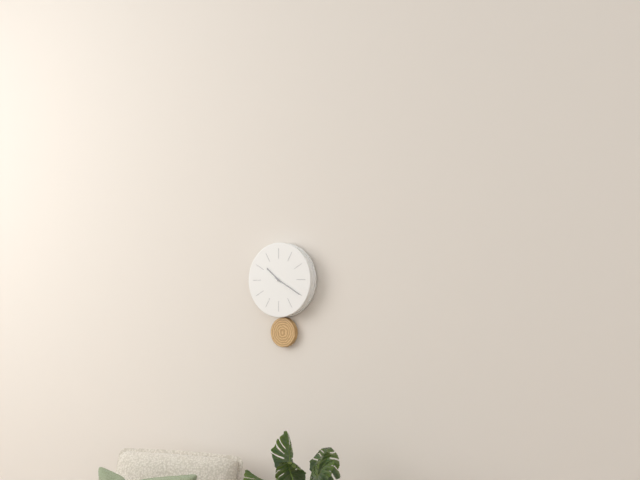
**10:20**
